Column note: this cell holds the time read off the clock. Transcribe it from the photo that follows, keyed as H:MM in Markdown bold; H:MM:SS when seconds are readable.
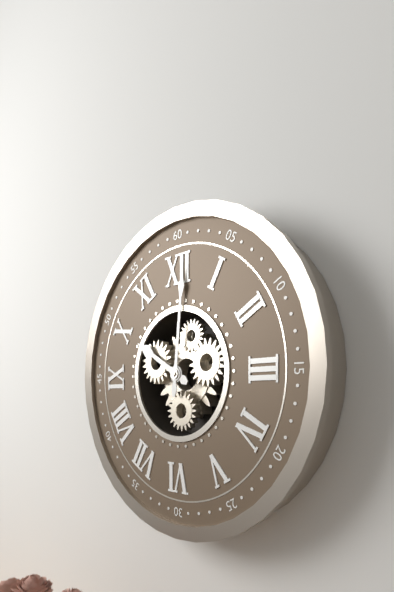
**10:01**
